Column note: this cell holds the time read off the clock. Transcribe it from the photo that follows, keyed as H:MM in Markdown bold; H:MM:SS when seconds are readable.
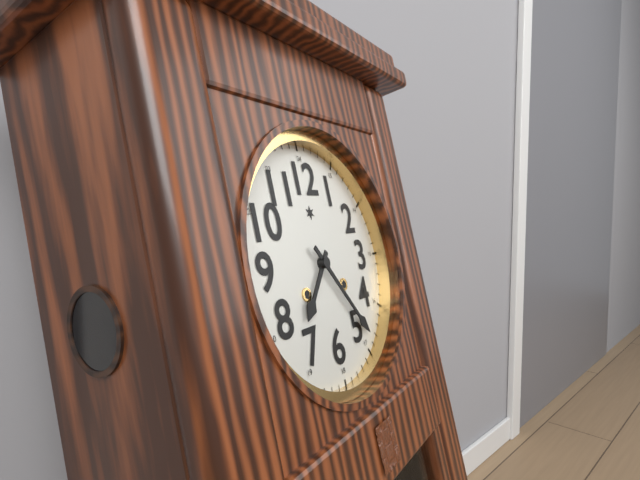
**7:24**
